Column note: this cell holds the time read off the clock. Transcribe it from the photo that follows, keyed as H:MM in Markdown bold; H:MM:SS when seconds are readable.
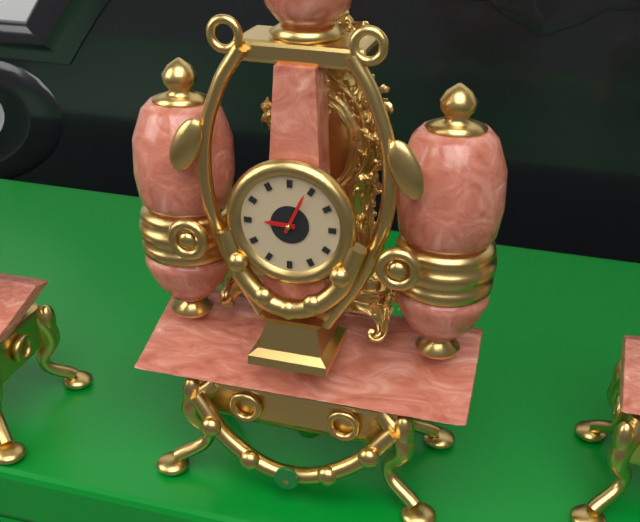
**9:04**
